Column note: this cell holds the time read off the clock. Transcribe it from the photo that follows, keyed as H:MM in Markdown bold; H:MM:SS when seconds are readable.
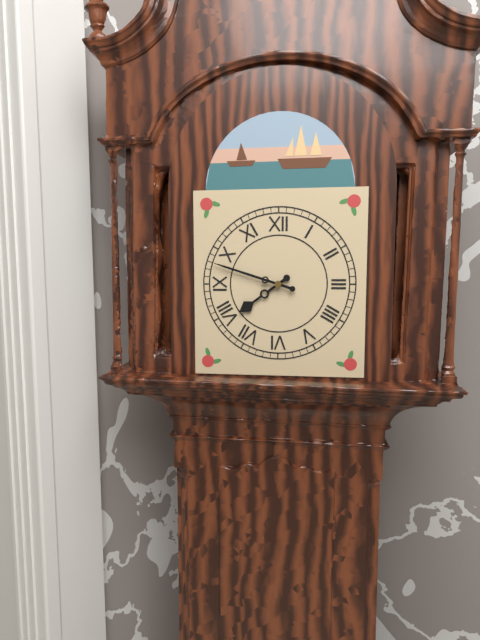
**7:48**
